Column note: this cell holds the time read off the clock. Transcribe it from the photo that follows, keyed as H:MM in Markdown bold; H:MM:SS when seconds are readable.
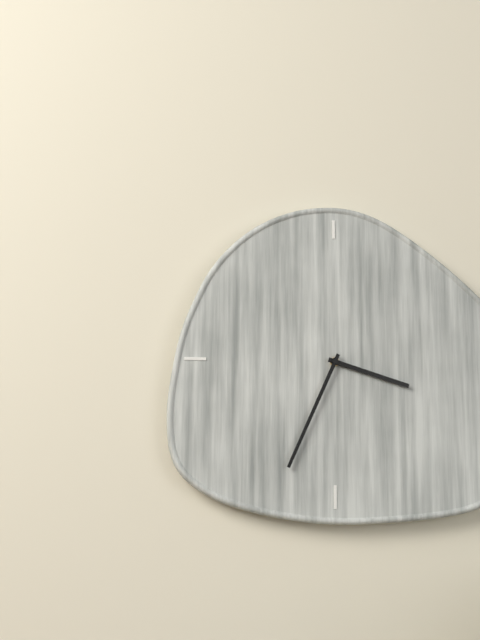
**3:34**
